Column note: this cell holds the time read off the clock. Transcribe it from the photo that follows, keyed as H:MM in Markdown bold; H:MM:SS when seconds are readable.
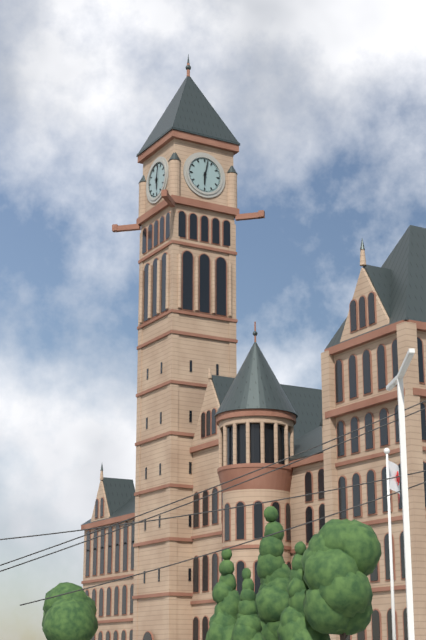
**6:02**
